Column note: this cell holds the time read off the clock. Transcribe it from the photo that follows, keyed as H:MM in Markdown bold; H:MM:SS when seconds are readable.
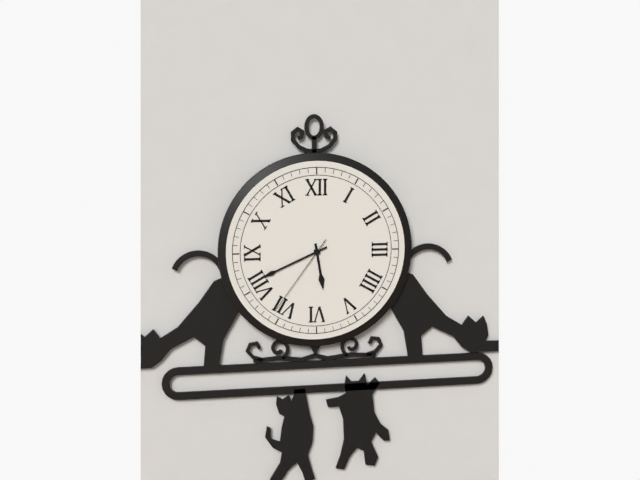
**5:41:36**
